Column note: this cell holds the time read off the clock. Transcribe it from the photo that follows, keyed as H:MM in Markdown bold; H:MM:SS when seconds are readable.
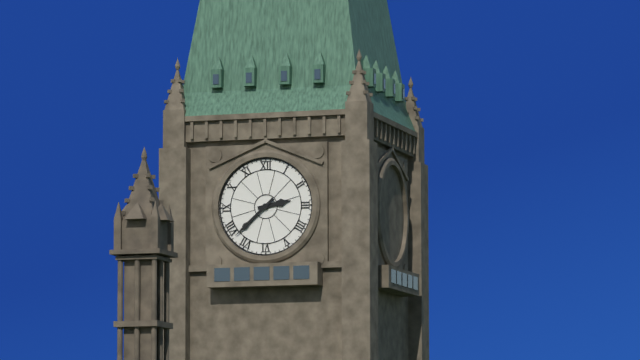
**2:38**
